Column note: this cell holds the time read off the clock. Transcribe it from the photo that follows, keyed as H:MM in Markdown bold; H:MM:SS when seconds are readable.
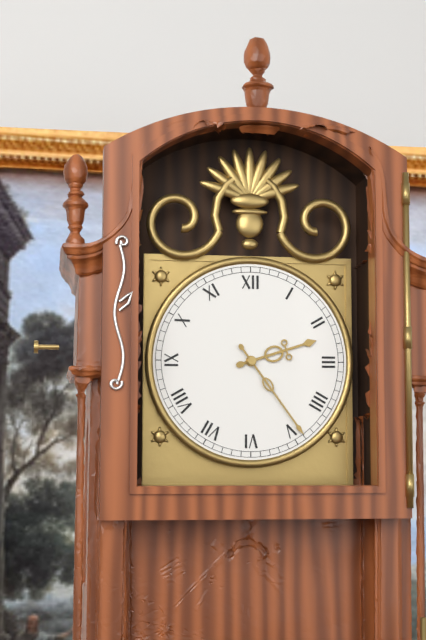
**2:24**
